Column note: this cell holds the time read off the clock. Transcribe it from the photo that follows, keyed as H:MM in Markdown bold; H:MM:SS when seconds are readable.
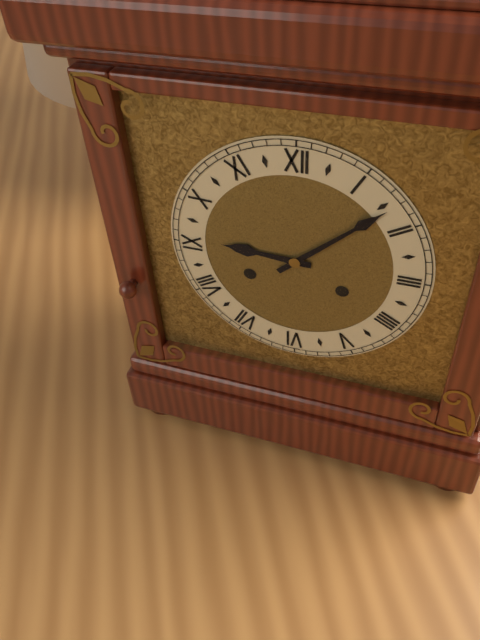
**9:08**
